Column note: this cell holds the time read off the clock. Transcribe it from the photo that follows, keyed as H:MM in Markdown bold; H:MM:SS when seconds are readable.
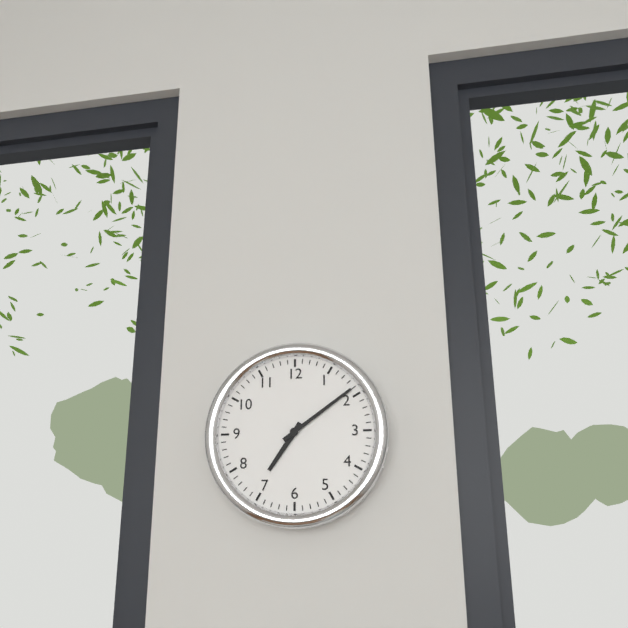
**7:09**
